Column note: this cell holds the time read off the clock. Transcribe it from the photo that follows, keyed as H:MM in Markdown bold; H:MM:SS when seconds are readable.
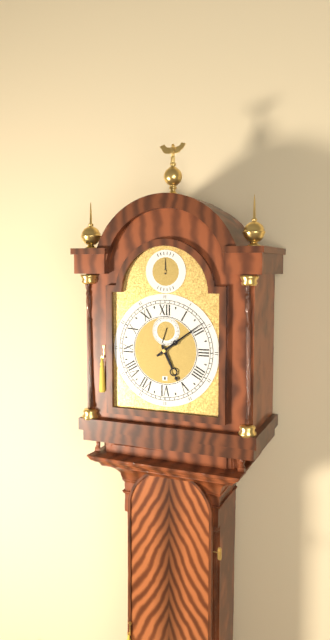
**5:09**
